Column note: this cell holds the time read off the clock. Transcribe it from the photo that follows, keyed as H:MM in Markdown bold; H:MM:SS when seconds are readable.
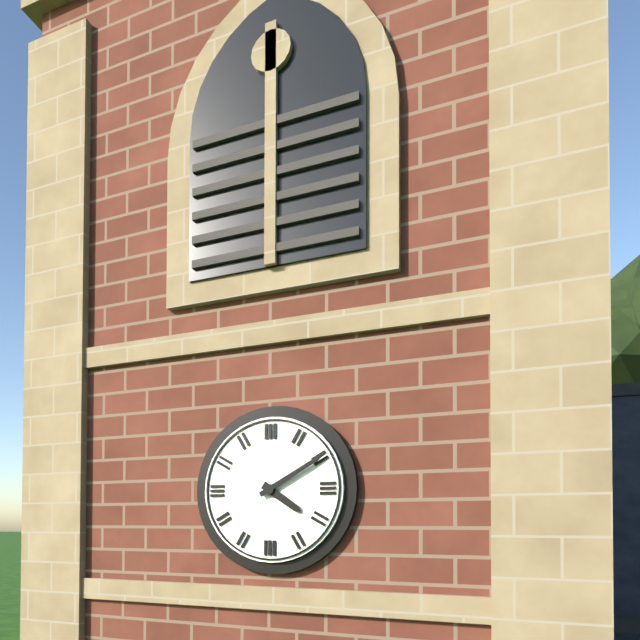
**4:10**
